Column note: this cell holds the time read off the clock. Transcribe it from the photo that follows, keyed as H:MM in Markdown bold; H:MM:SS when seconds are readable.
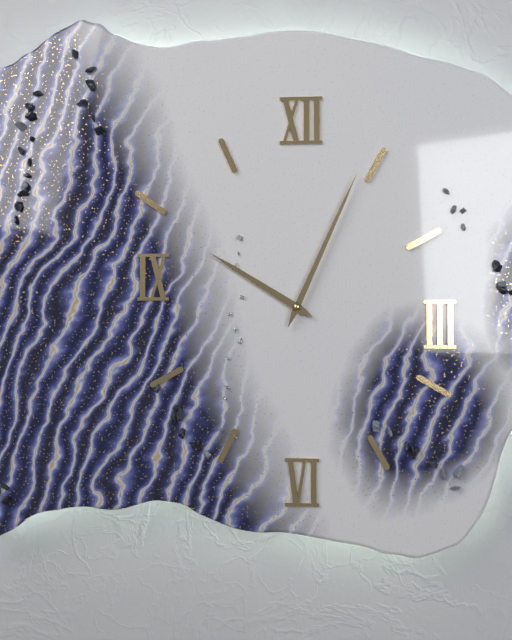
**10:04**
